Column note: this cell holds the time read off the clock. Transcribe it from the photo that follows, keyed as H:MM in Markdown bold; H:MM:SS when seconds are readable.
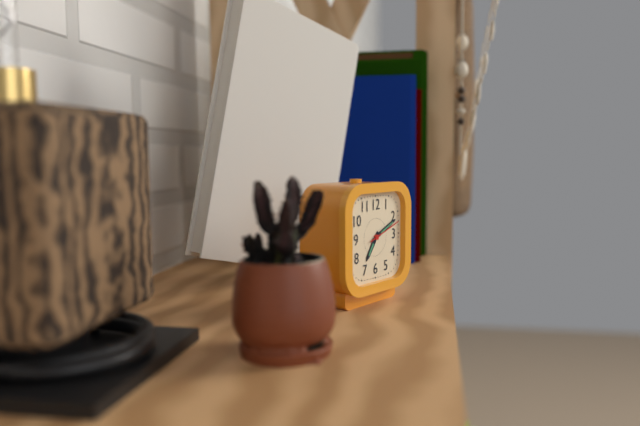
**7:11:12**
